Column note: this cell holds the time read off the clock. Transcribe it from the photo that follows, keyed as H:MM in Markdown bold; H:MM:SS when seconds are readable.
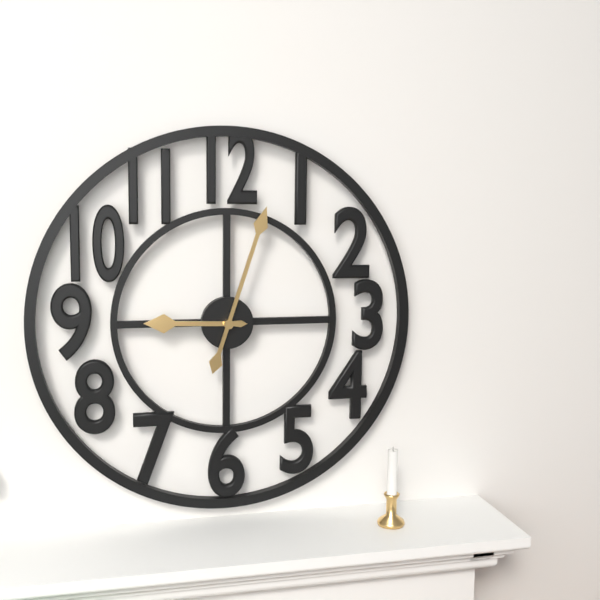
**9:03**
